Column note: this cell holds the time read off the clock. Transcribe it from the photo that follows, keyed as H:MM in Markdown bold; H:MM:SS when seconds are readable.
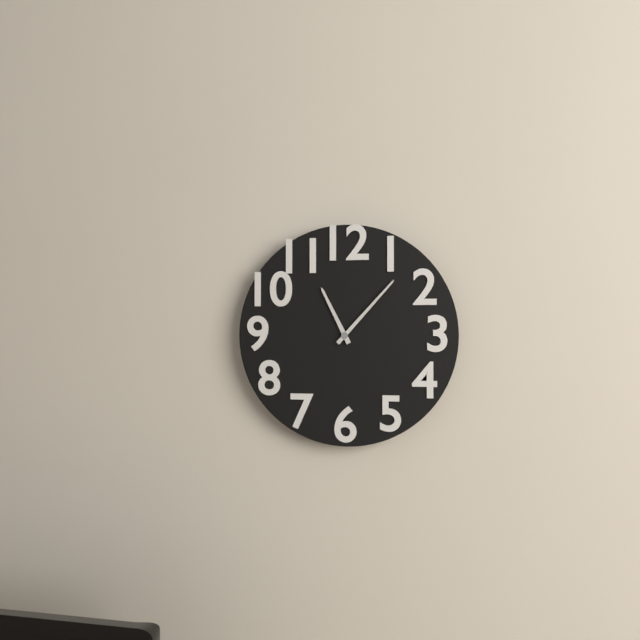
**11:07**
